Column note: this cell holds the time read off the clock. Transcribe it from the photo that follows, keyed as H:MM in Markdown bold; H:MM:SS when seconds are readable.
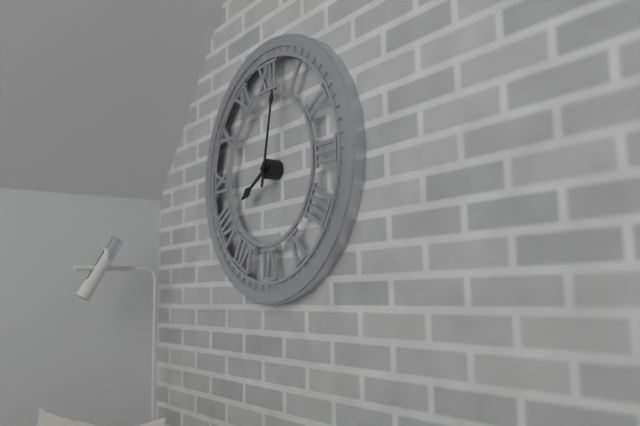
**8:02**
